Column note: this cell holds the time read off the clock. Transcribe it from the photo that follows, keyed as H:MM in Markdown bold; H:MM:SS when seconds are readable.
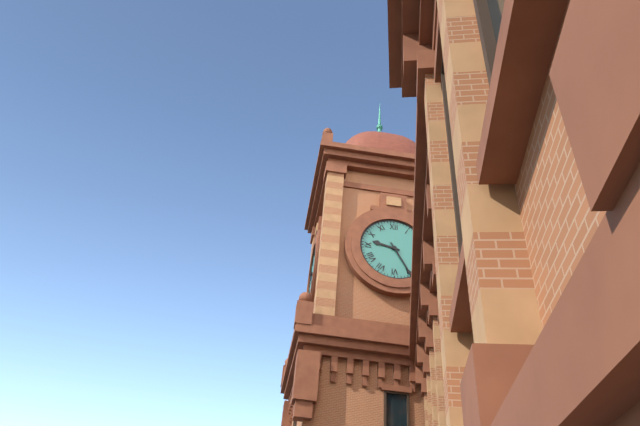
**9:25**
